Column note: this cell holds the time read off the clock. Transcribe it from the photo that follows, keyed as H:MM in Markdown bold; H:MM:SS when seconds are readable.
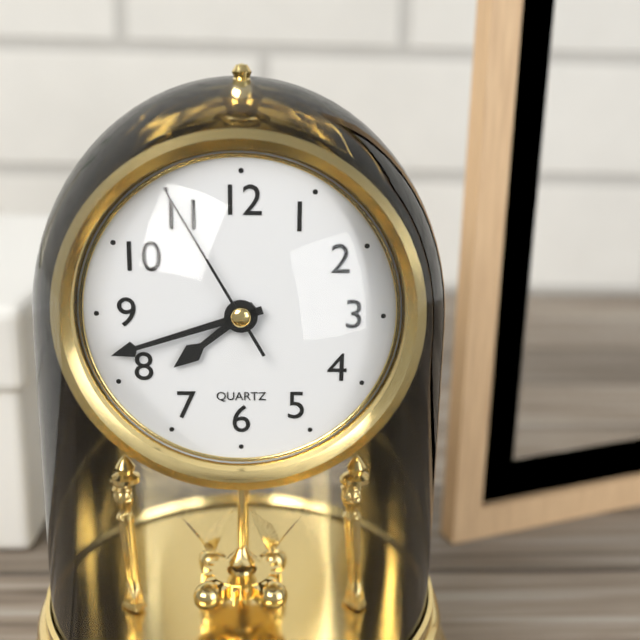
**7:42:55**
